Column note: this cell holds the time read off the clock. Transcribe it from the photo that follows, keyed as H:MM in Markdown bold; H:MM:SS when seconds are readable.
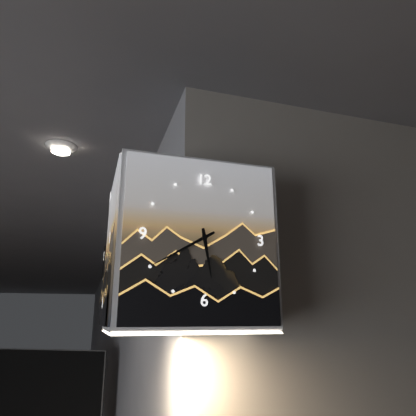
**5:40**
